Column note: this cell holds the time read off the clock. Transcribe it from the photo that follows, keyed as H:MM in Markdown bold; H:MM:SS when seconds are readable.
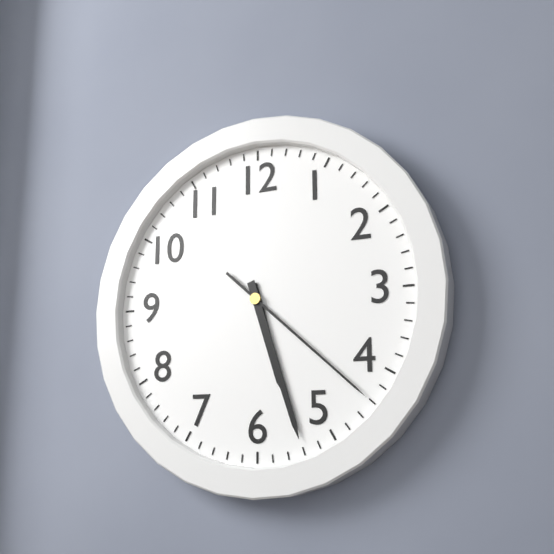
**5:27:22**
